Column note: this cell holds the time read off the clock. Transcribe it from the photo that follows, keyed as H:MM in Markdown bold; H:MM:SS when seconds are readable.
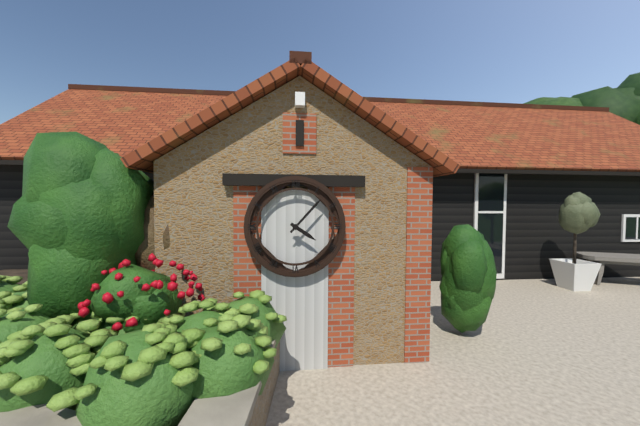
**4:07**
